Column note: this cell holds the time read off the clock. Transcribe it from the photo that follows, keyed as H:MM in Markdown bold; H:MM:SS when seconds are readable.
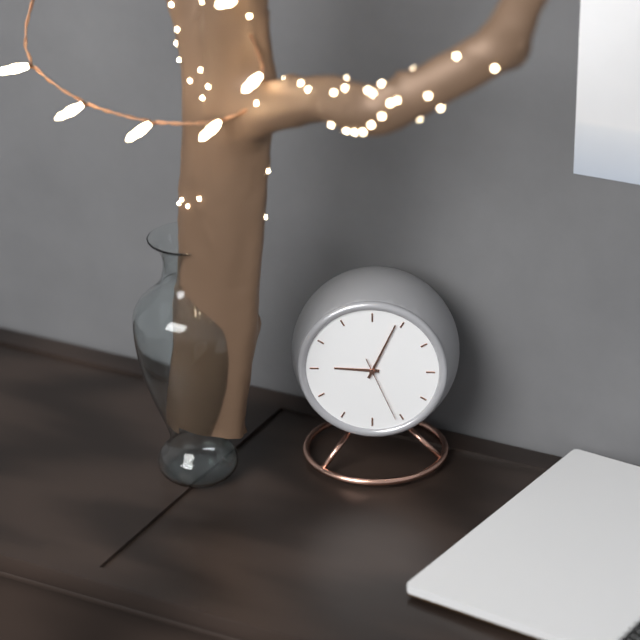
**9:04:26**
